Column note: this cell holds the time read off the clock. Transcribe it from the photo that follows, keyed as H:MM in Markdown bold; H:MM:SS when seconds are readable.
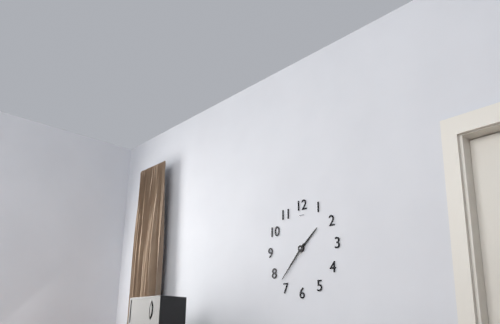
**1:37**
